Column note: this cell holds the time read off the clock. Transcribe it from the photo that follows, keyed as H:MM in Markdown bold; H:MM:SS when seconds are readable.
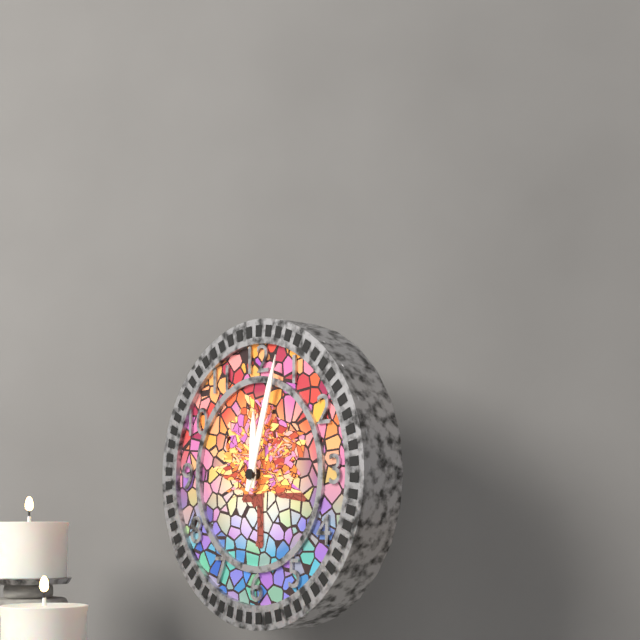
**12:03**
